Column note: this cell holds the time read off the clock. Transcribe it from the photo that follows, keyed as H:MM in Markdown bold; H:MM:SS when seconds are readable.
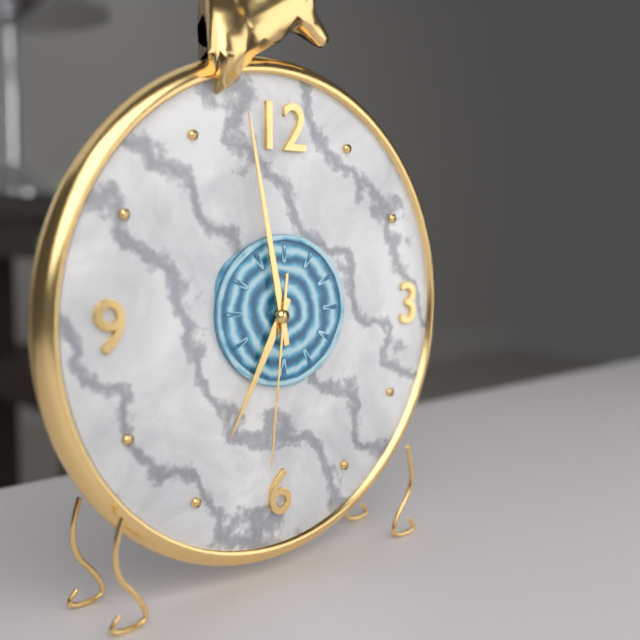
**6:58:31**
